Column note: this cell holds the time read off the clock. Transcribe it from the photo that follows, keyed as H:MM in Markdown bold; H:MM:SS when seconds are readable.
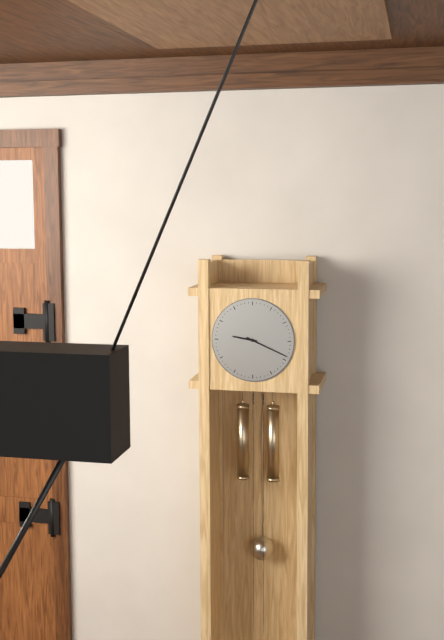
**9:19**
